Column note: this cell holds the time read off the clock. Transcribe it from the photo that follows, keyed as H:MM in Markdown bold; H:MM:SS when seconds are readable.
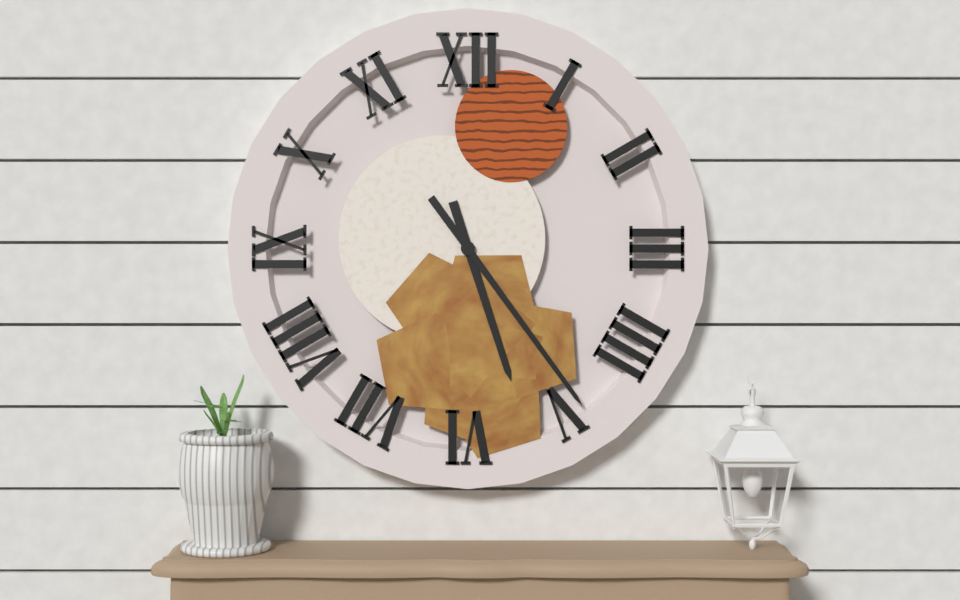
**5:24**
